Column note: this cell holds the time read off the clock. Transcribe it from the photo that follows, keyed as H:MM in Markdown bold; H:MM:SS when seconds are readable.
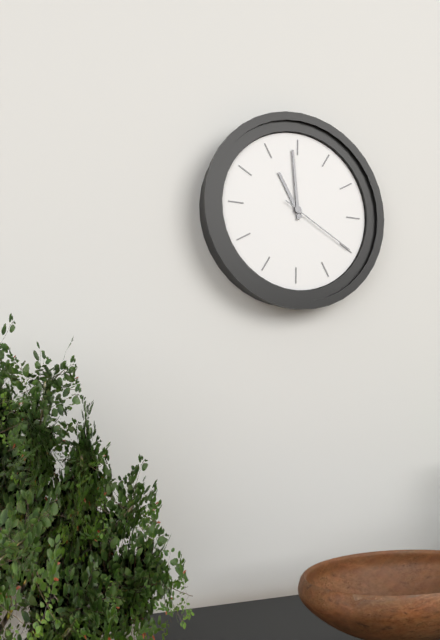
**10:59:20**
